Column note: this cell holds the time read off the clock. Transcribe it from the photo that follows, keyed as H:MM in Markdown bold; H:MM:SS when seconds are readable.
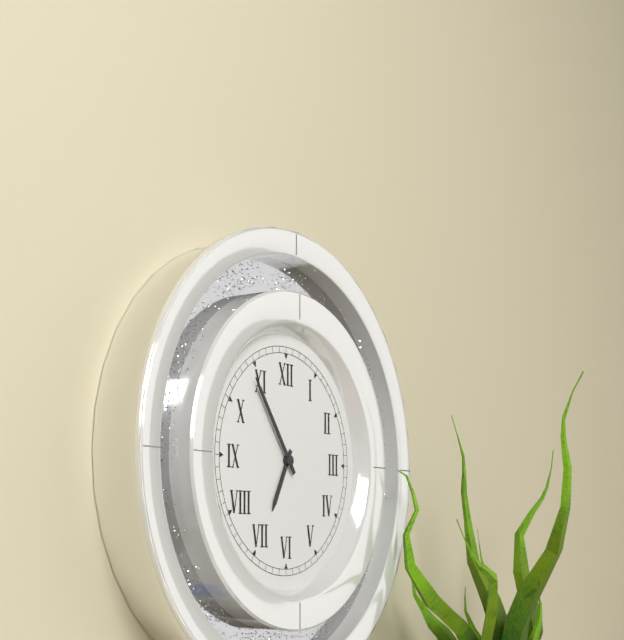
**6:54**
